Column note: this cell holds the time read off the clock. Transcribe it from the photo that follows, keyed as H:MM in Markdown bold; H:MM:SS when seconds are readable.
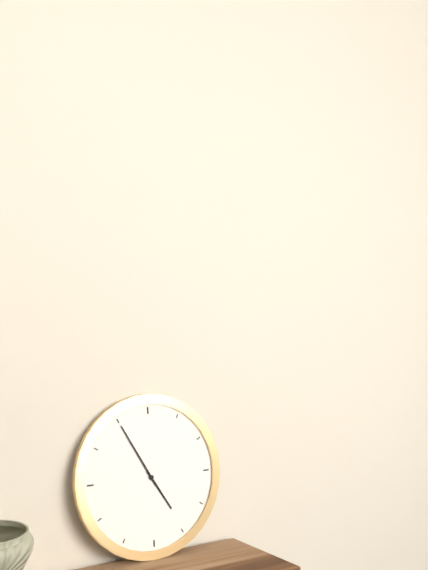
**4:55**
